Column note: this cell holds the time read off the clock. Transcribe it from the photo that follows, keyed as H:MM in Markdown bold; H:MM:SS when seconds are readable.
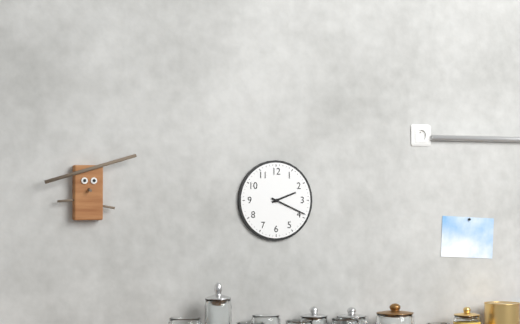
**2:19**
